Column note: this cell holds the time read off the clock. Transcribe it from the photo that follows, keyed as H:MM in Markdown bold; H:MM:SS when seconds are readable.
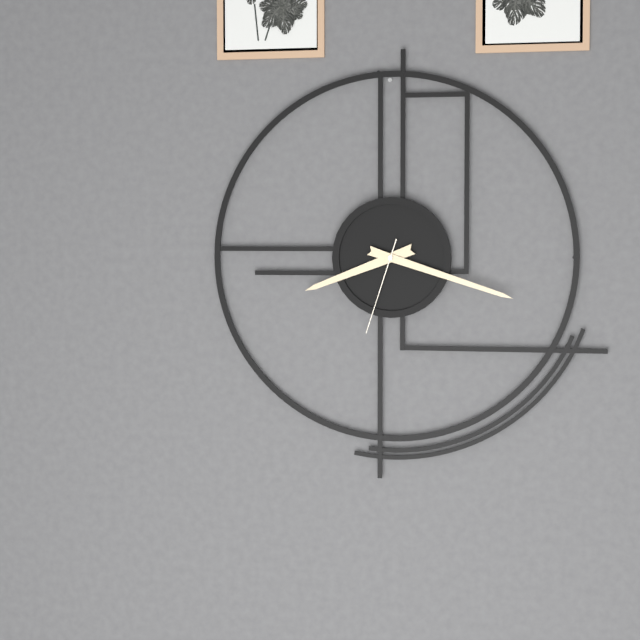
**8:18:33**
